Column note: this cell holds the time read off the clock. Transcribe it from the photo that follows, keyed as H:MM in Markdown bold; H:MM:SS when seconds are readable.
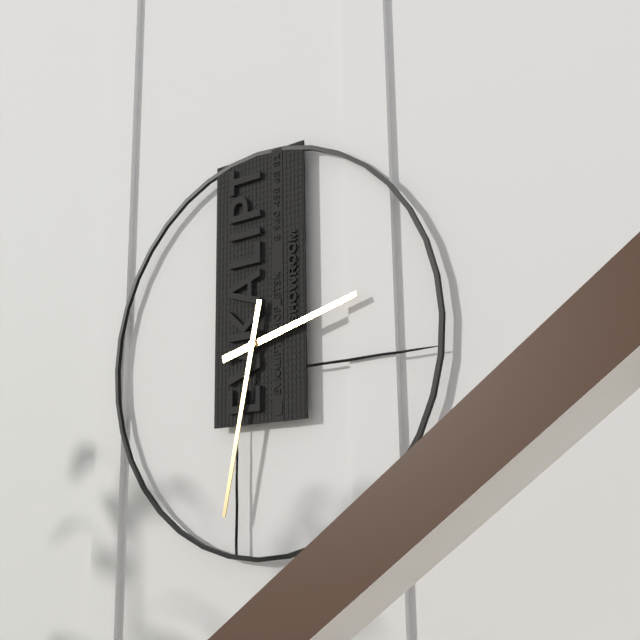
**2:32**
